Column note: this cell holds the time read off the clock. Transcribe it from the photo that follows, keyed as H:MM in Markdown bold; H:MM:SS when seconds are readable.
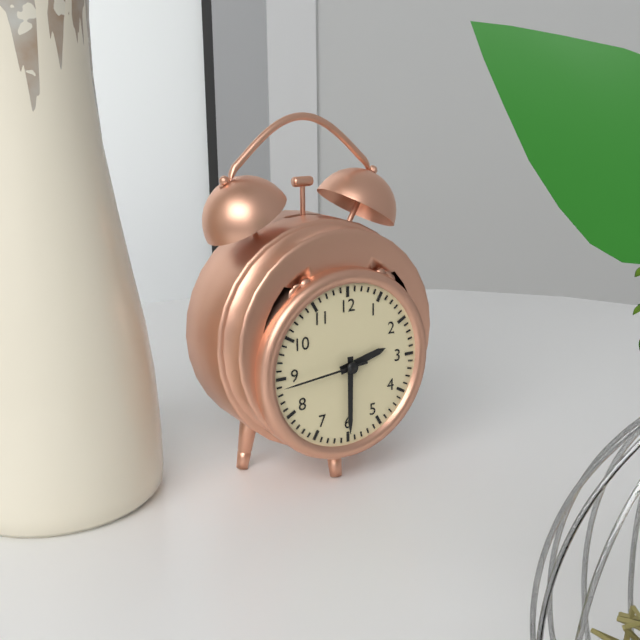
**2:30:44**
